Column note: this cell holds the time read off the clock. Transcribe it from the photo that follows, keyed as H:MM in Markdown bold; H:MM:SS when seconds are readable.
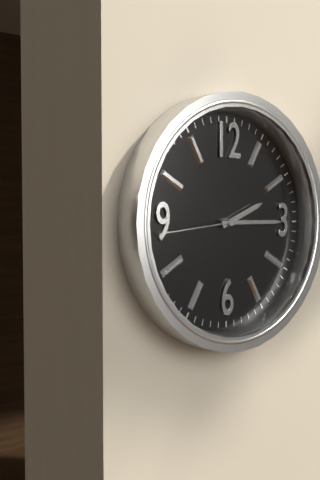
**2:15:44**
